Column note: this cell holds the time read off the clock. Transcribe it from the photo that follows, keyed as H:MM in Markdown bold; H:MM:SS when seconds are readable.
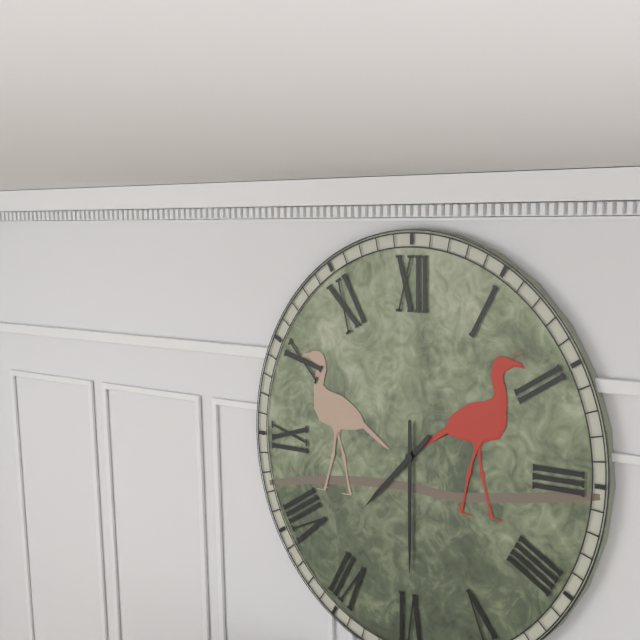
**7:30**
